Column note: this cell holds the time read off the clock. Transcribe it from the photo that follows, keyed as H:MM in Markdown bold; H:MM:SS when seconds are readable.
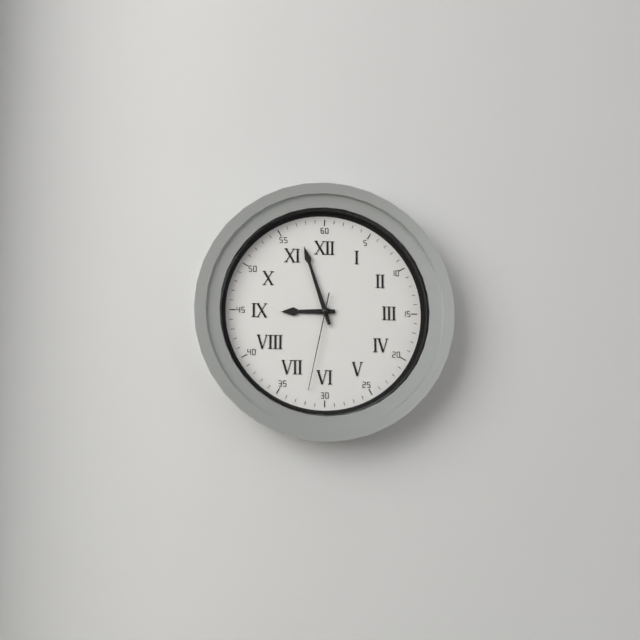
**8:57:32**
